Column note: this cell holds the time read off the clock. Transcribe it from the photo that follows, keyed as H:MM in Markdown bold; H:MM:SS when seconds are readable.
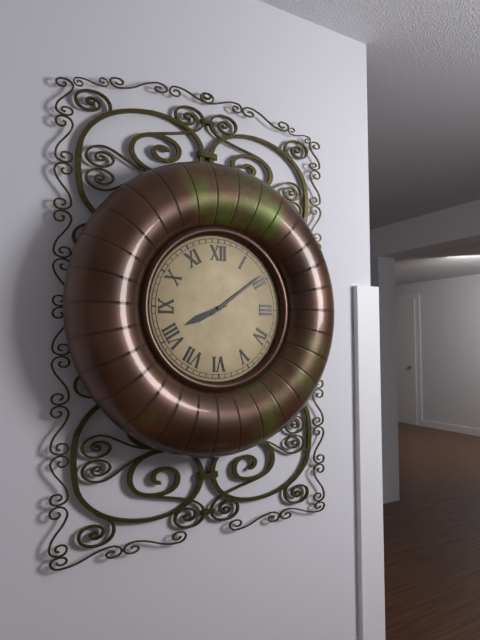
**8:09**
